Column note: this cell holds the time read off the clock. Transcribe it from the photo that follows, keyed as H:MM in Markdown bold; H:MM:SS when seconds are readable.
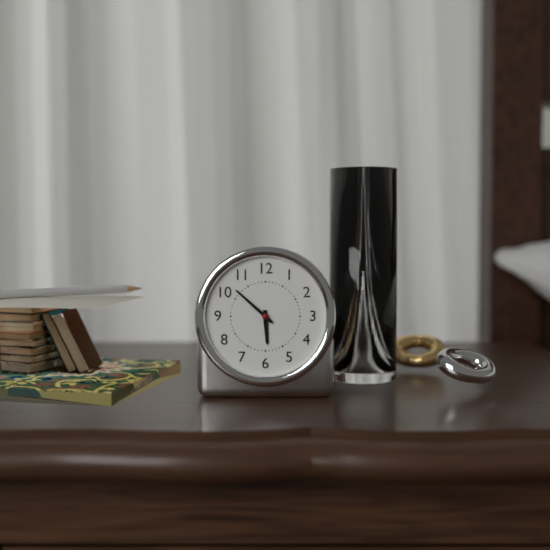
**5:52**
